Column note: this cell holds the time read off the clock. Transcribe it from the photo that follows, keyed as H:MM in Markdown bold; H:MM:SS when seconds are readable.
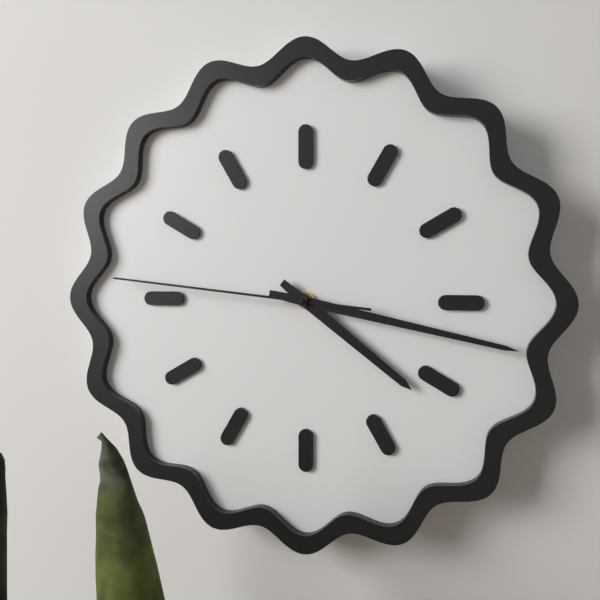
**4:17:46**
